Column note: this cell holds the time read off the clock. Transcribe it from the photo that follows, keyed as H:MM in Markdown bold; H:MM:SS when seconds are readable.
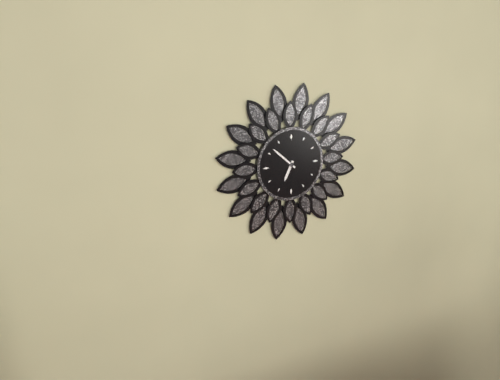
**6:52**
